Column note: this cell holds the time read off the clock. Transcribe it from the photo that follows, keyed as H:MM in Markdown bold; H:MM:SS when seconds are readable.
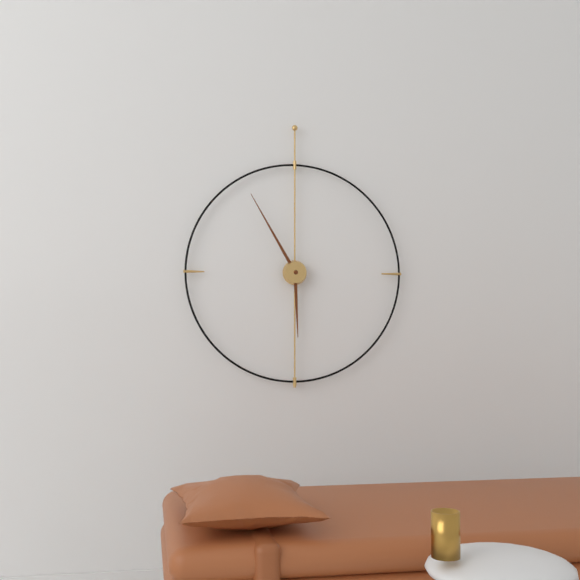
**5:55**
